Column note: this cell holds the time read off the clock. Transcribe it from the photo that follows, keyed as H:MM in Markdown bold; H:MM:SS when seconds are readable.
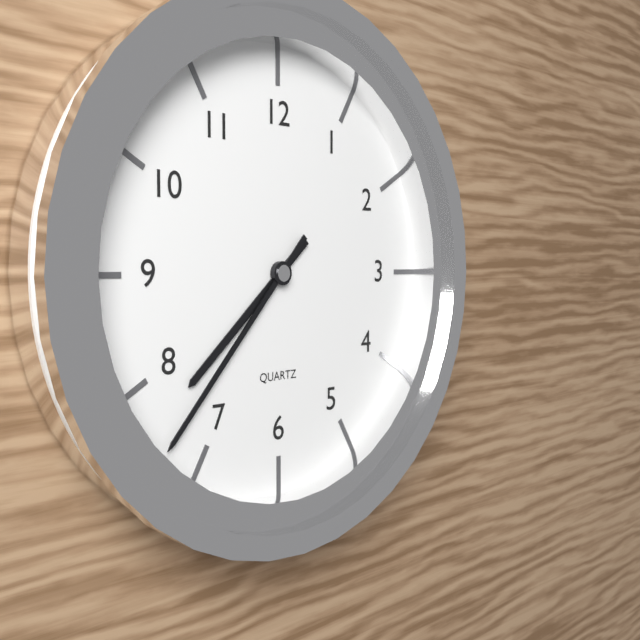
**7:37**
